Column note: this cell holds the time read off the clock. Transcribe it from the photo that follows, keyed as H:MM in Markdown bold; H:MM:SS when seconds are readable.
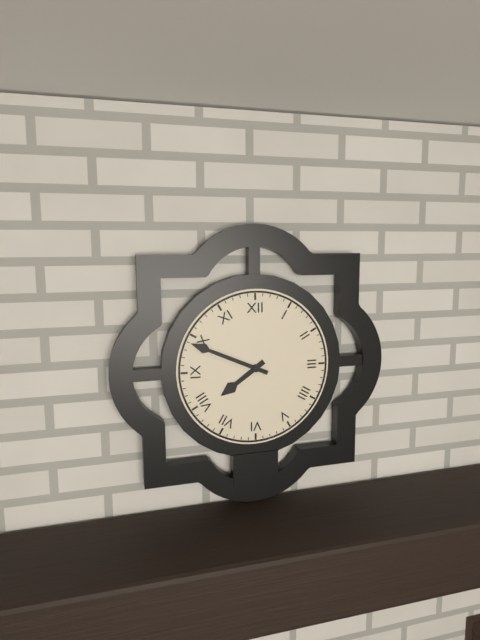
**7:49**
